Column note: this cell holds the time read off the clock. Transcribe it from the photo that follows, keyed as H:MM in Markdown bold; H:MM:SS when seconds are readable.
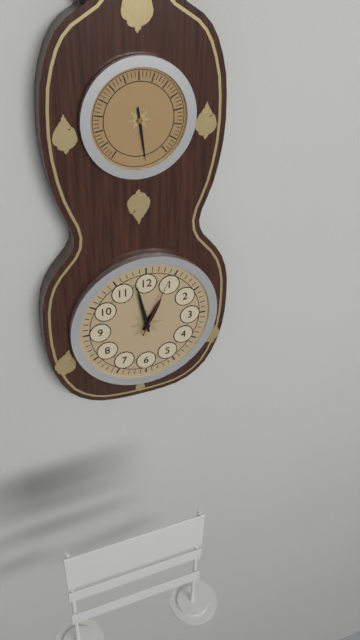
**12:58:04**
